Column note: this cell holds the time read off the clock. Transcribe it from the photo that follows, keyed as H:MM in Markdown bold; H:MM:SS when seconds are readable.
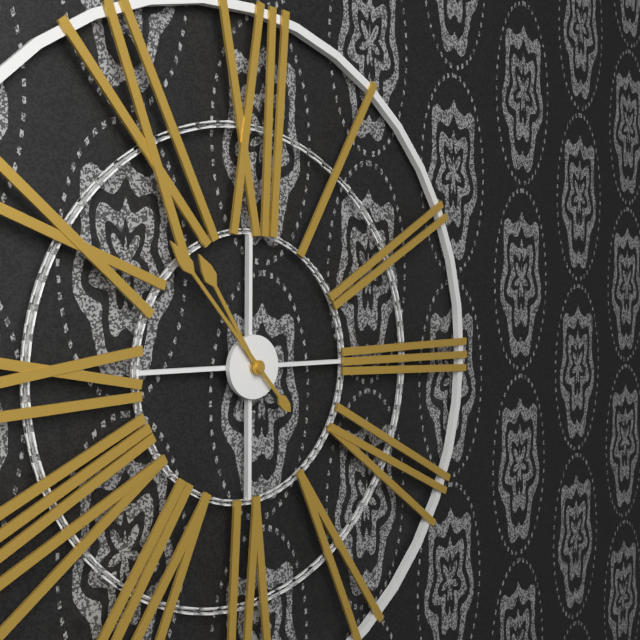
**10:53**
